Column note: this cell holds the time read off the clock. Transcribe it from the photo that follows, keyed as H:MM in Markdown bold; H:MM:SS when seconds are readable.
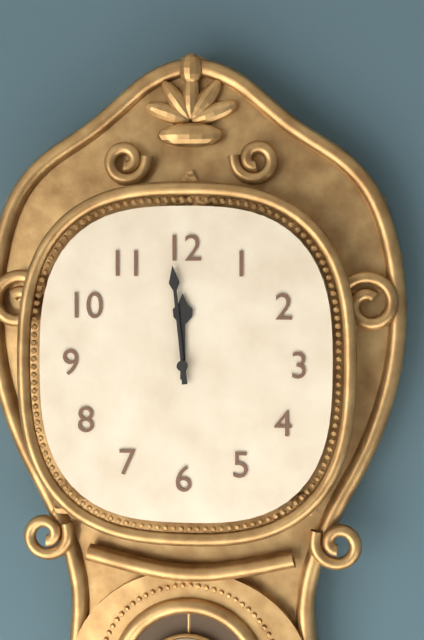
**11:59**
